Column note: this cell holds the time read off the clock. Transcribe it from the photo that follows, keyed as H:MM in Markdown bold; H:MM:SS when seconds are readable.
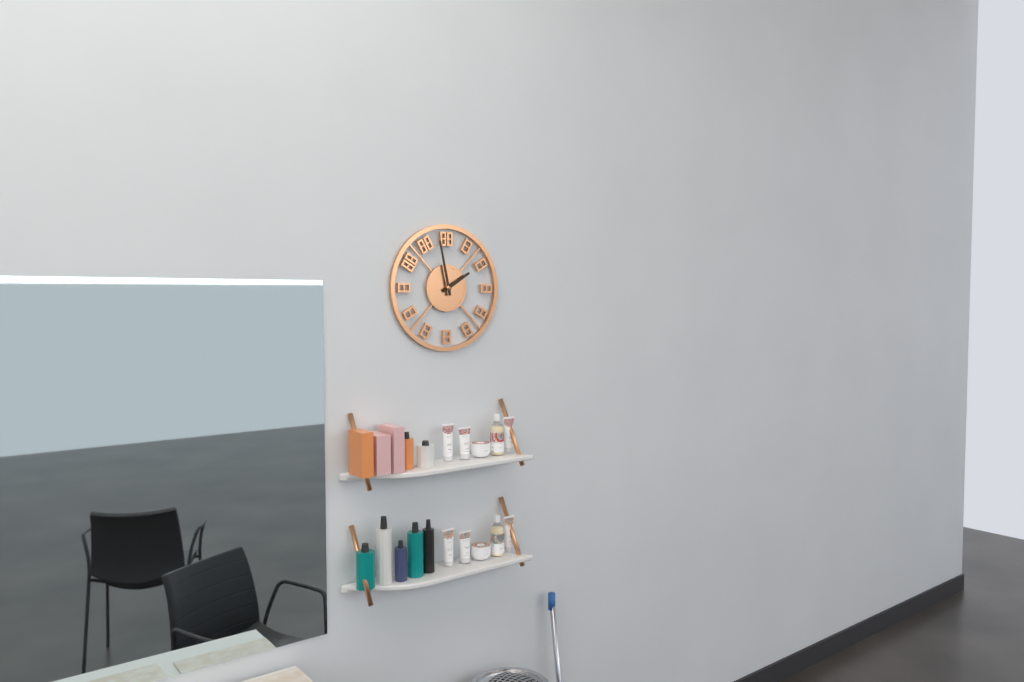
**1:58**
